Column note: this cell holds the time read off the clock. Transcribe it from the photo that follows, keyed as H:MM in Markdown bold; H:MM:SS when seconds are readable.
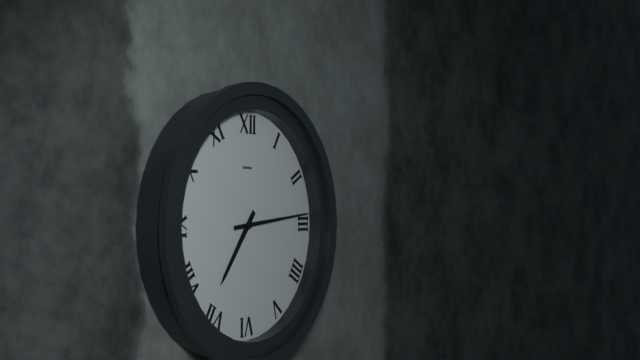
**7:14**
